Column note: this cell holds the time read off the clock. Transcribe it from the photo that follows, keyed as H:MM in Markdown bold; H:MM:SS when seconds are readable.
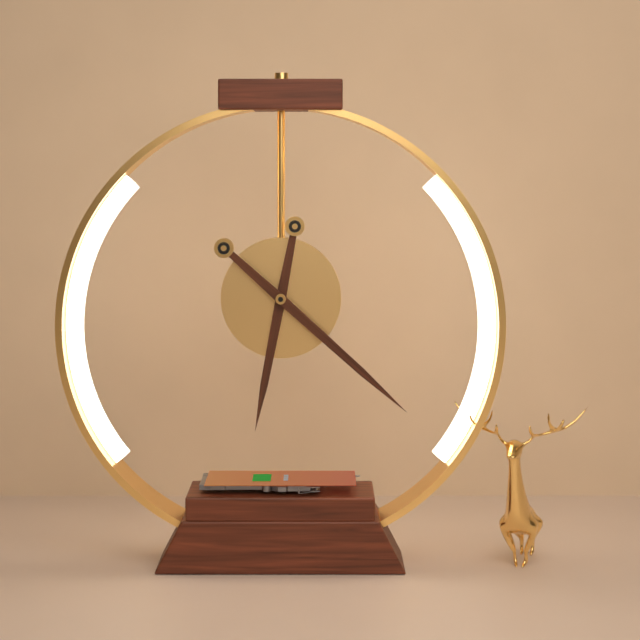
**6:22**
